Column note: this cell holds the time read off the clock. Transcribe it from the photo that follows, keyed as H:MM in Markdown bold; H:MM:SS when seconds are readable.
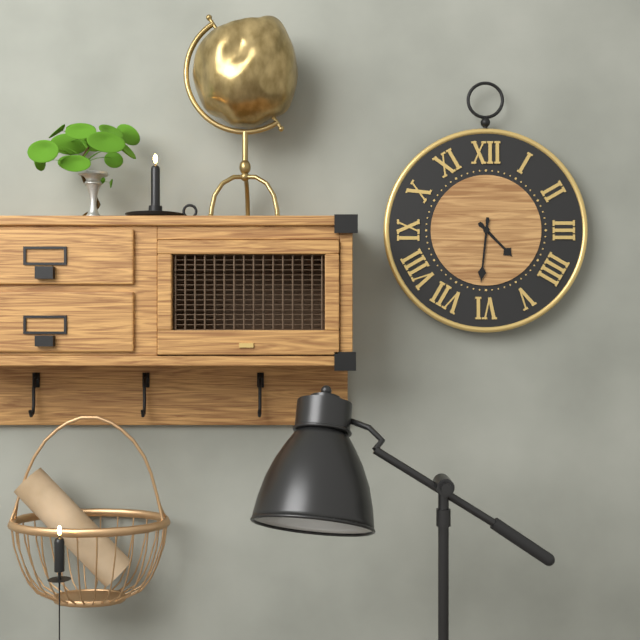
**4:31**
